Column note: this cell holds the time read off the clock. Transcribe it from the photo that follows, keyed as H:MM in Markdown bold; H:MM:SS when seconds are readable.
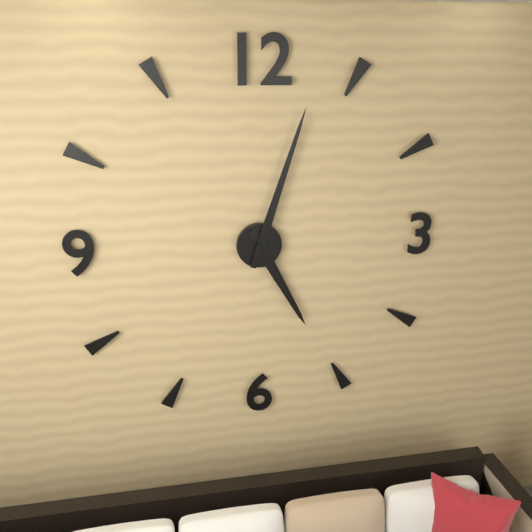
**5:03**
